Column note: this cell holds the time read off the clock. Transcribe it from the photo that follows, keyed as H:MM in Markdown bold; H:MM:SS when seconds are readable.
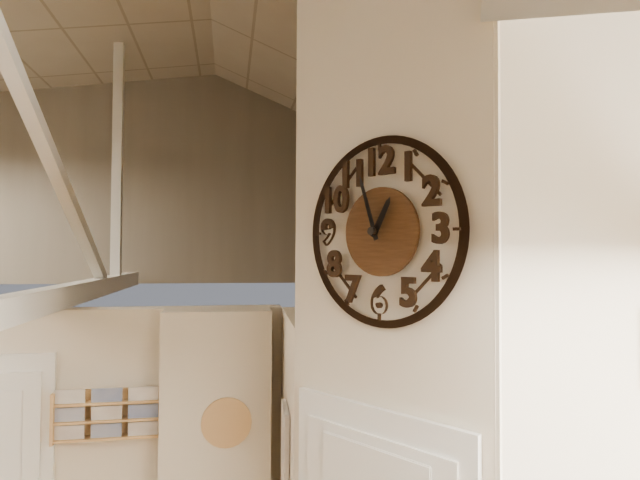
**12:57**
